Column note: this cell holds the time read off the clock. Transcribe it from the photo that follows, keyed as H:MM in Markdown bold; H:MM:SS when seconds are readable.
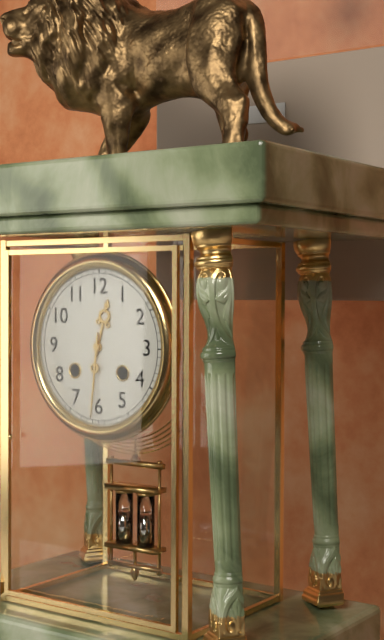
**12:31**
